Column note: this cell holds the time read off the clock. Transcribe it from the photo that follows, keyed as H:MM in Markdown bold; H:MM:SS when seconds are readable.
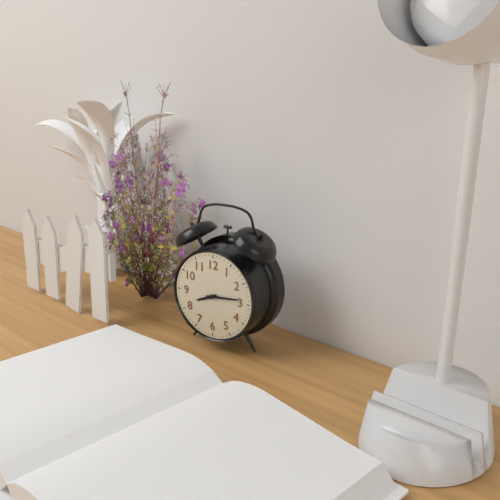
**8:14**
